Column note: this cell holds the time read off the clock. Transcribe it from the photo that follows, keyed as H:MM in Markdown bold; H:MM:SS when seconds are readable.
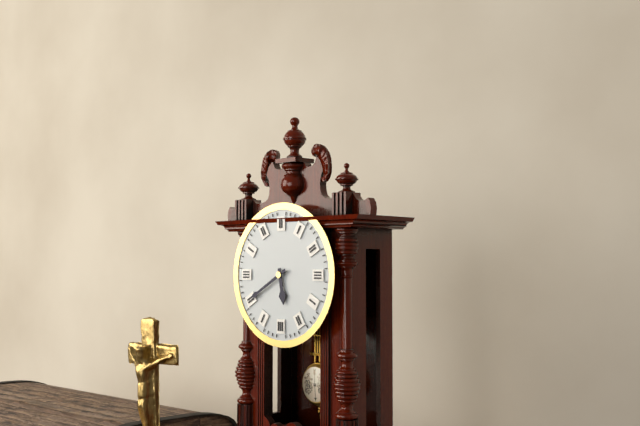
**5:40**
